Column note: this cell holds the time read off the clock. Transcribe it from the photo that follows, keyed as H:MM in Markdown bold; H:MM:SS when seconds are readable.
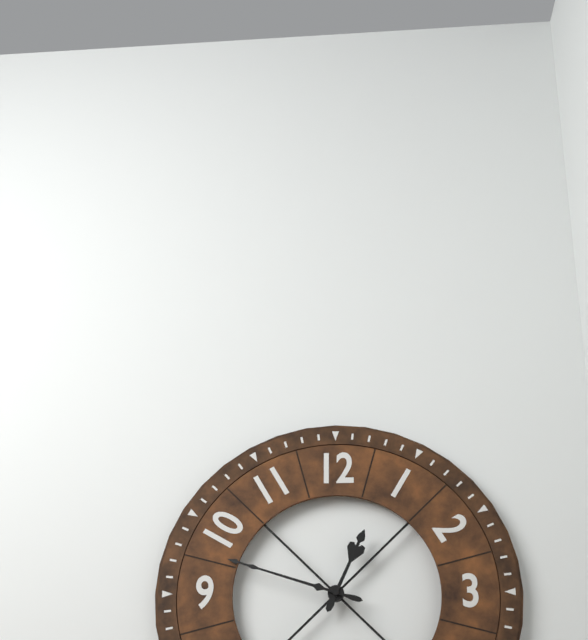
**12:48**
